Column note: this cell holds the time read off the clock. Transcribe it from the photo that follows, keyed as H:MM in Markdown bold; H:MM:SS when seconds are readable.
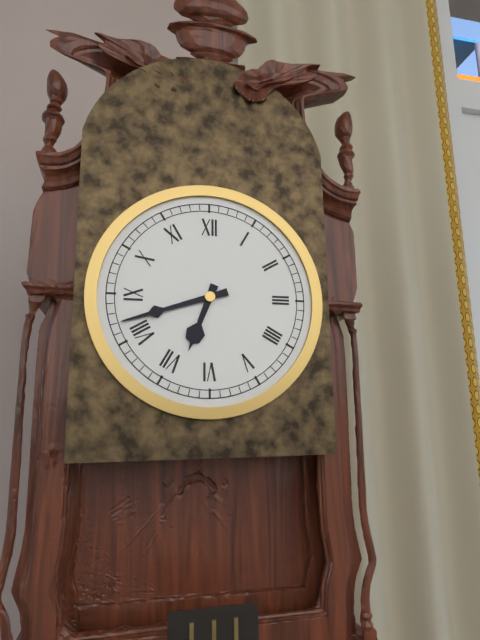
**6:42**
